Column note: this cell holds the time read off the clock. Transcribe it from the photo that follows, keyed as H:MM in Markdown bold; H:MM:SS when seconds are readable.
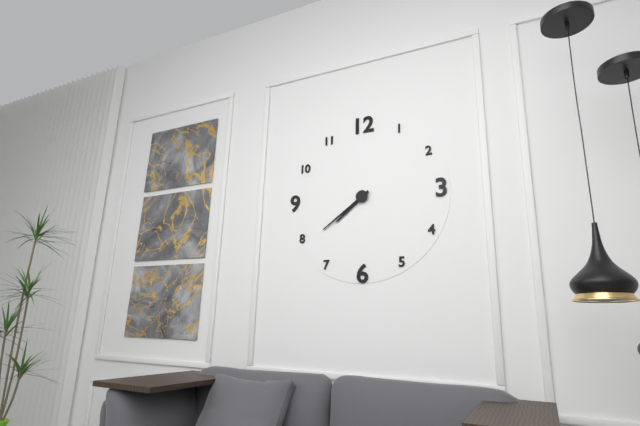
**7:39**
